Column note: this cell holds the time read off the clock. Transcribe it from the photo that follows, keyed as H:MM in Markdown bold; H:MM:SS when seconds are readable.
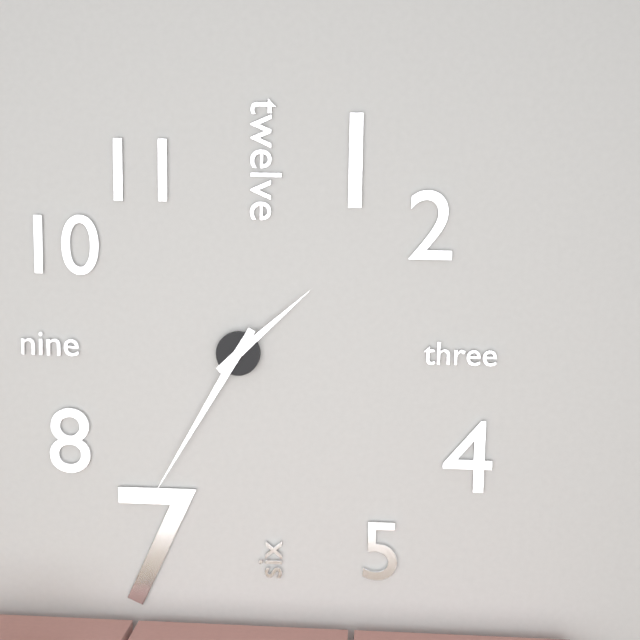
**1:35**
